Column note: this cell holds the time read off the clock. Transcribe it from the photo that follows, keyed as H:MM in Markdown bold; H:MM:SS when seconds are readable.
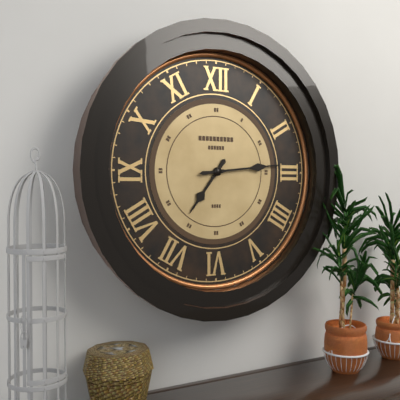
**7:14**
